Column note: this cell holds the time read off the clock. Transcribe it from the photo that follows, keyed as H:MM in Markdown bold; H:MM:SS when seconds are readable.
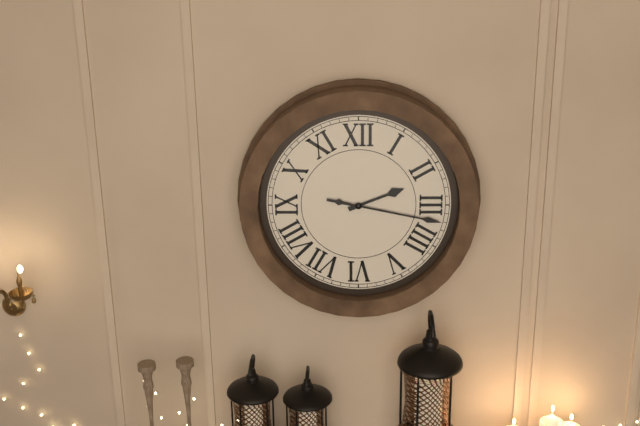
**2:17**
